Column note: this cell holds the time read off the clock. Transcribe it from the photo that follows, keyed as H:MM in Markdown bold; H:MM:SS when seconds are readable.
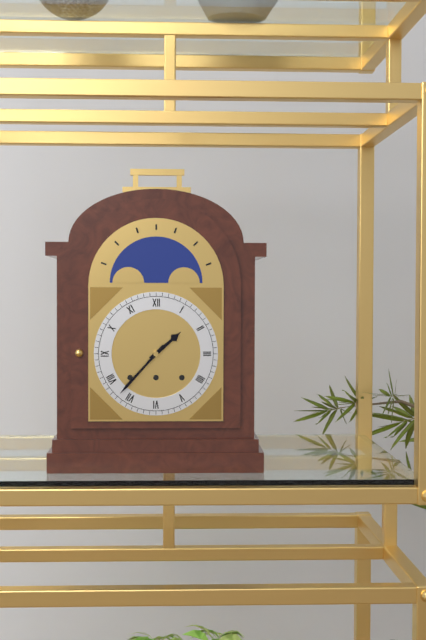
**1:37**
